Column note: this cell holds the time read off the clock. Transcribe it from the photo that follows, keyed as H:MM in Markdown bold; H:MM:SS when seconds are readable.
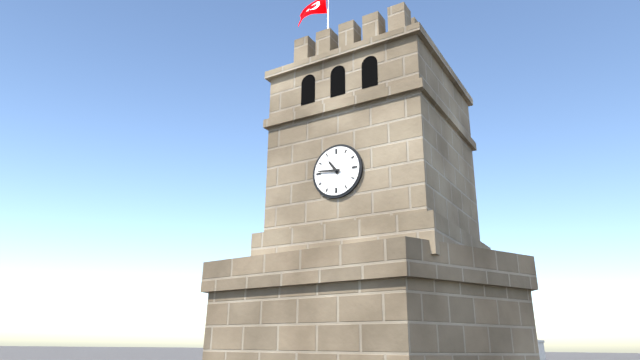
**10:46**
